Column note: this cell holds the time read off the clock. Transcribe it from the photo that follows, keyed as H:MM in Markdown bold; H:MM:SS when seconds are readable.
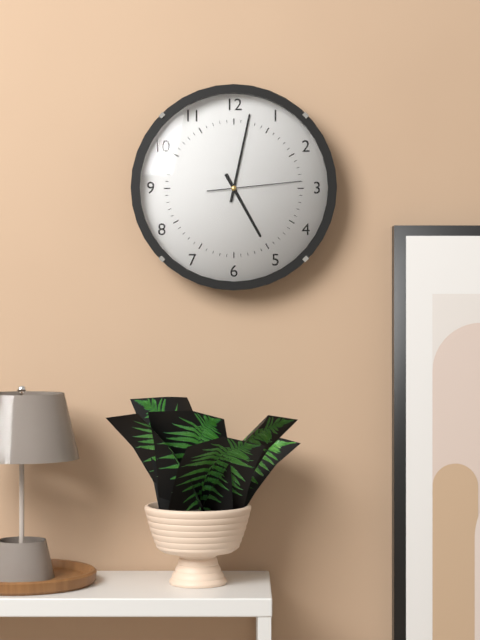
**5:02:14**
